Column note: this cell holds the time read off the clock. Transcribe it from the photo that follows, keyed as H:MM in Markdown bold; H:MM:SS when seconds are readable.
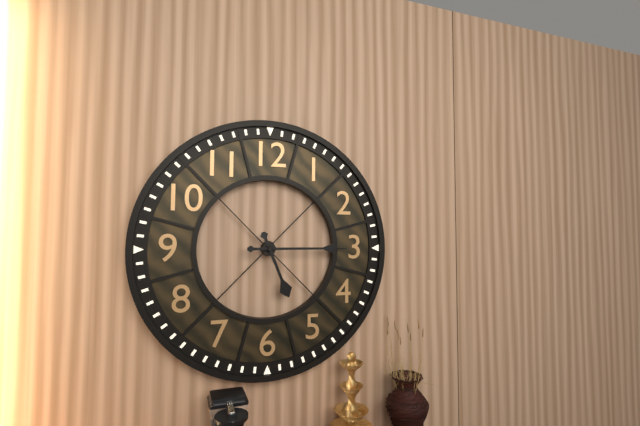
**5:15**
